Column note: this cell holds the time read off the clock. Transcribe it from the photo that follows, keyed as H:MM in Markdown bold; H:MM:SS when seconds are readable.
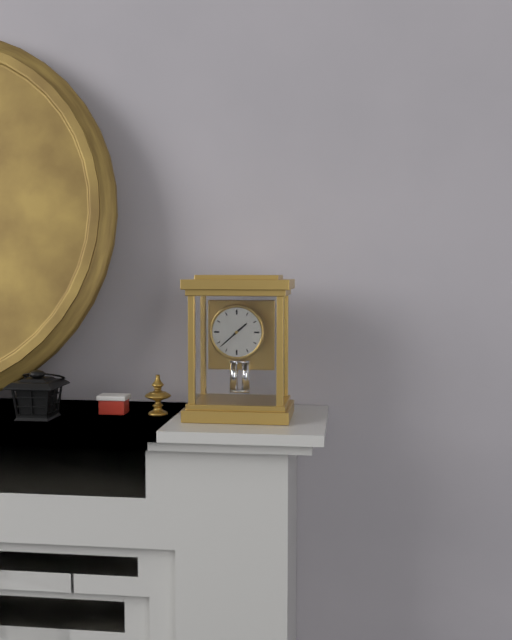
**1:38**
